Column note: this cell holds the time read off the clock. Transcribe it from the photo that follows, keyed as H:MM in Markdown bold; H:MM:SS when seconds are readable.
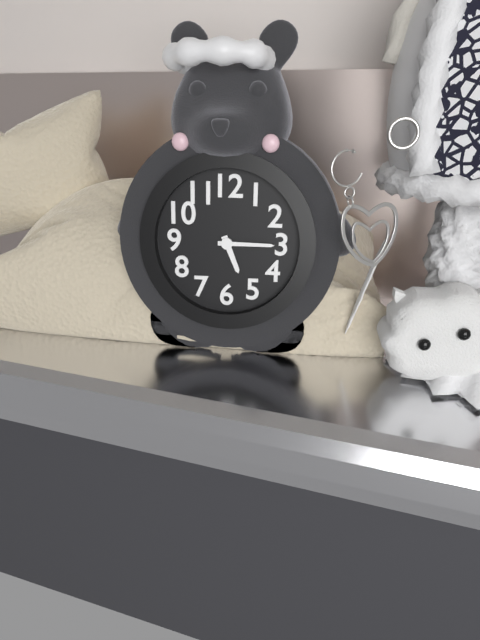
**5:15**
